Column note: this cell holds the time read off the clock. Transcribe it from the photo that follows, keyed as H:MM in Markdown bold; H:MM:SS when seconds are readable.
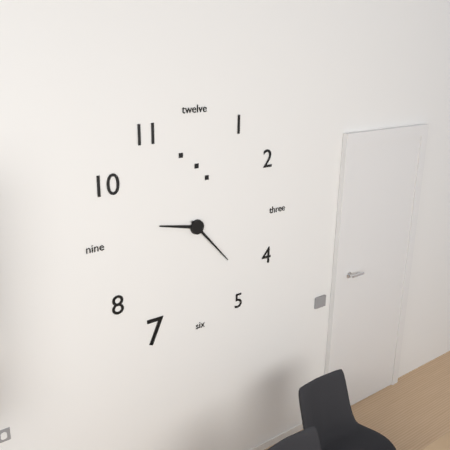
**9:23**
